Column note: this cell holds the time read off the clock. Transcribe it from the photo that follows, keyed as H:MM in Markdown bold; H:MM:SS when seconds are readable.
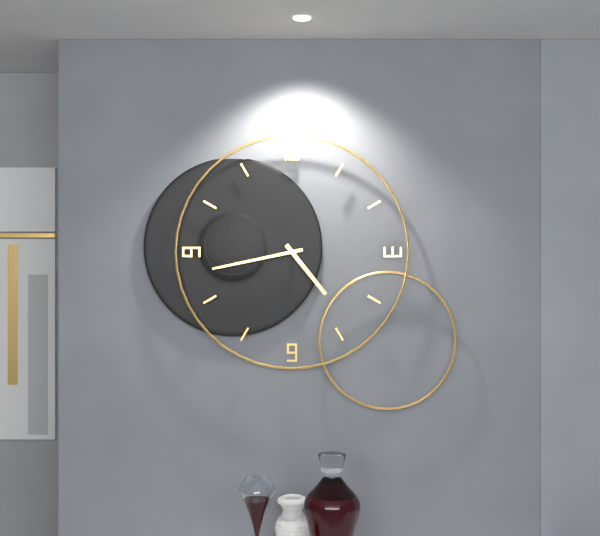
**4:43**
